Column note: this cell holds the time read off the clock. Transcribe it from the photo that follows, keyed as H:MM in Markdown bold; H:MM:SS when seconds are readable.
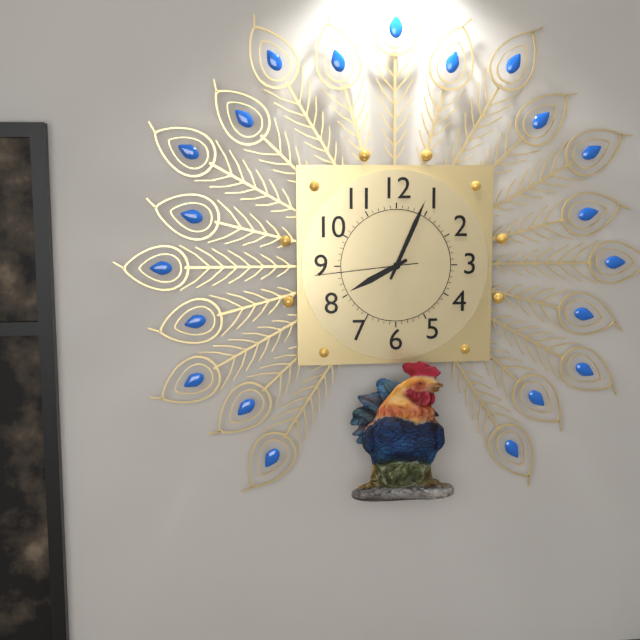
**8:04:44**
